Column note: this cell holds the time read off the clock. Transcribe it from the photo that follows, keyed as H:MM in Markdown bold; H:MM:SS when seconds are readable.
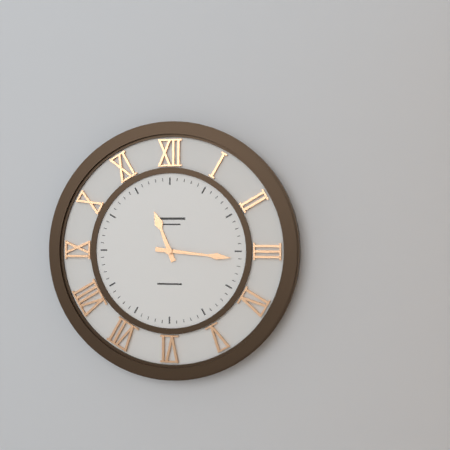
**11:16**
